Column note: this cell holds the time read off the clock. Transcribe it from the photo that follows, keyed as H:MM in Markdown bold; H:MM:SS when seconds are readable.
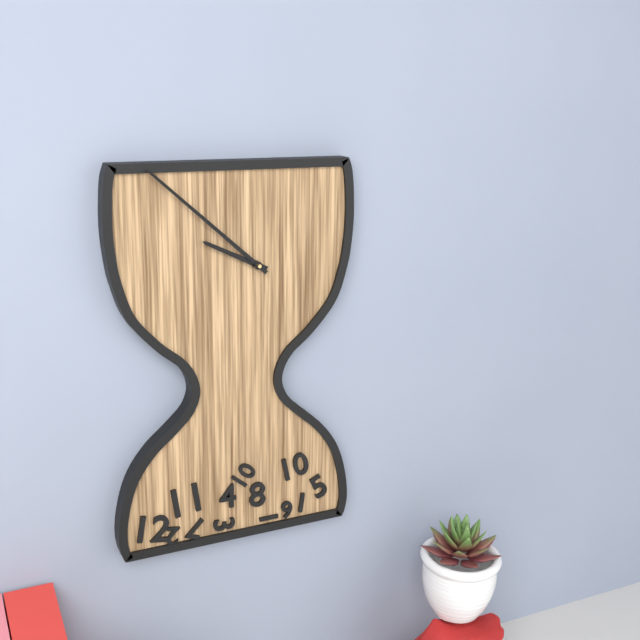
**9:52**
